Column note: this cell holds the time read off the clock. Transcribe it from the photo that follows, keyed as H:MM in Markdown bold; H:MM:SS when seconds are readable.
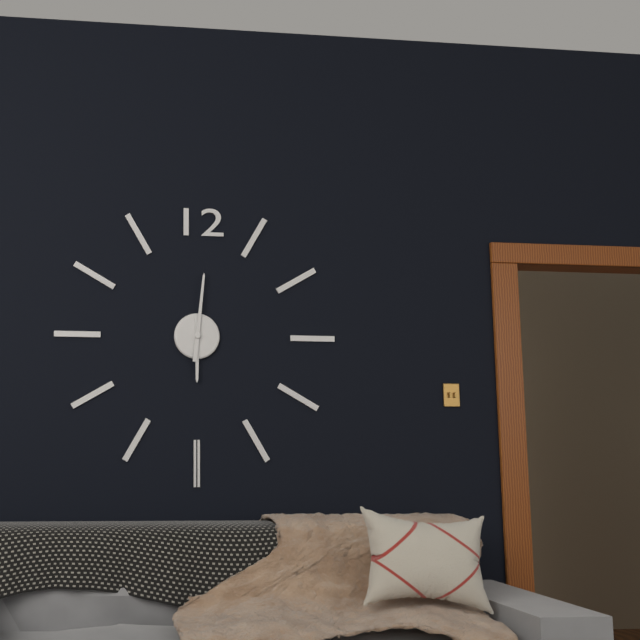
**6:01**
